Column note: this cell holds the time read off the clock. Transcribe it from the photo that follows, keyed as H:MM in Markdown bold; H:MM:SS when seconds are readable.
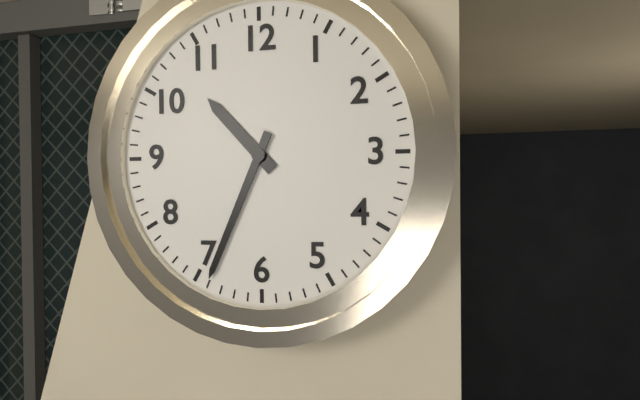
**10:34**
